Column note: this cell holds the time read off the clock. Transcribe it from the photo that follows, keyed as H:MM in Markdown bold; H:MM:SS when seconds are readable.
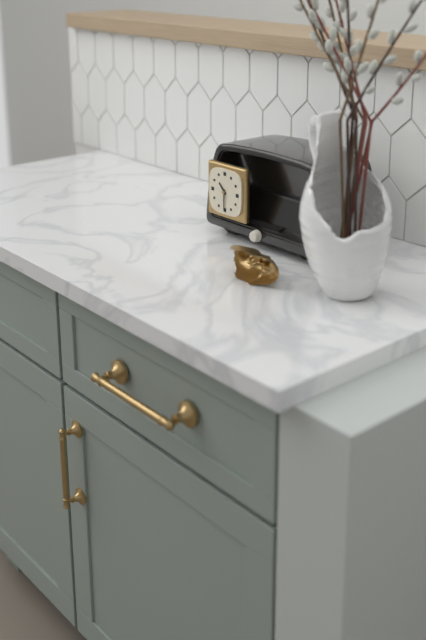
**10:30**
